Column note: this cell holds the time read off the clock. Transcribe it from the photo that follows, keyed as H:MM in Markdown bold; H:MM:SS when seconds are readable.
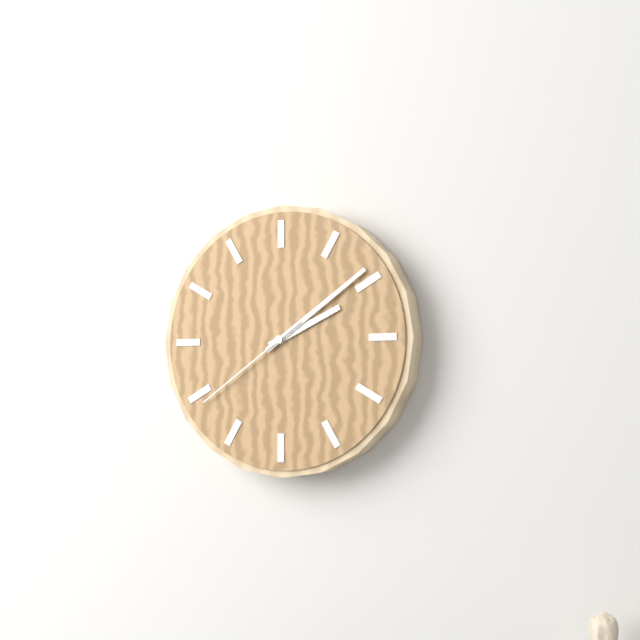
**2:09:39**
